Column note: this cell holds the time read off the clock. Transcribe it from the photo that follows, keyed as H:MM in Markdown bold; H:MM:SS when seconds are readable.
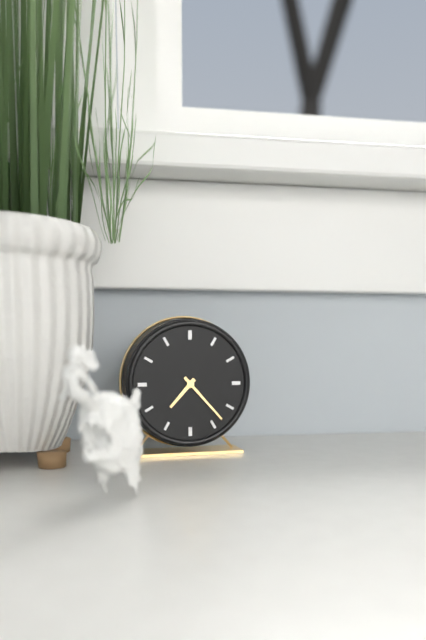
**7:23**
